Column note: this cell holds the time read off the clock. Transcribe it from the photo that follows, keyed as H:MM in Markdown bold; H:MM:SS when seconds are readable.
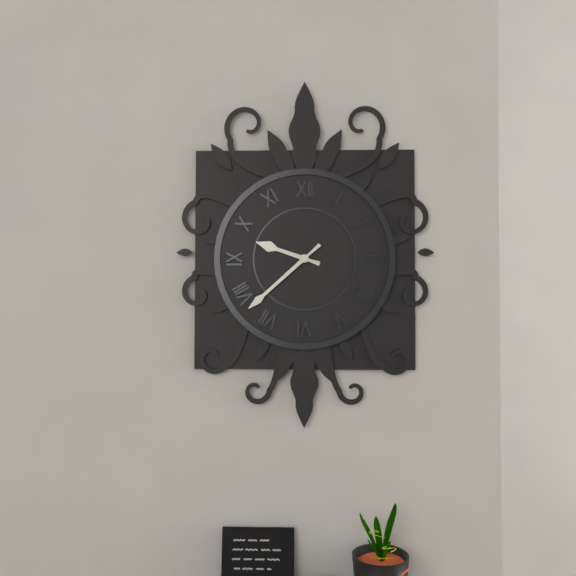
**9:38**
